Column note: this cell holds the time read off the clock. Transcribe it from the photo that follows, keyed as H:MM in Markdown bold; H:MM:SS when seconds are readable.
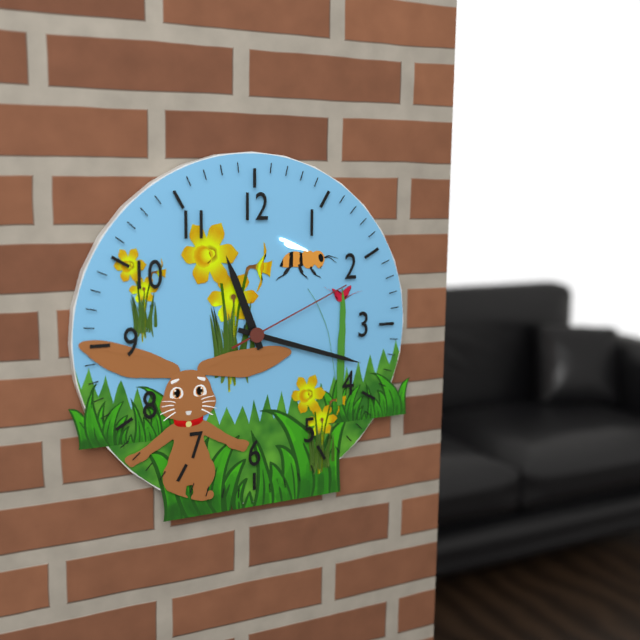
**11:18:11**
